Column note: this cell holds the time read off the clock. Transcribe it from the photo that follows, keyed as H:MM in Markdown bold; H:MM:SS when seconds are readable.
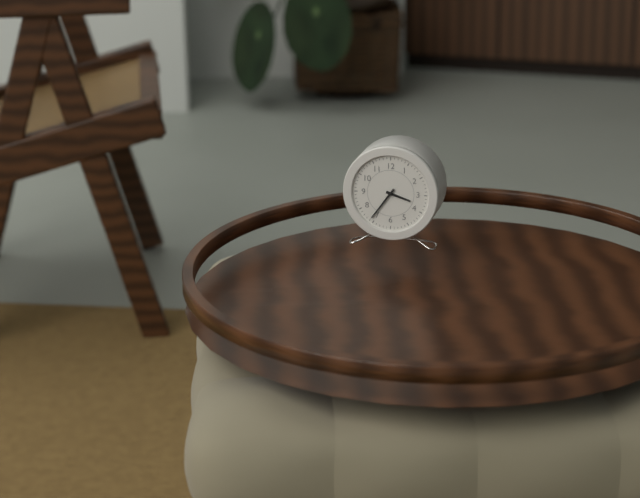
**3:36**
